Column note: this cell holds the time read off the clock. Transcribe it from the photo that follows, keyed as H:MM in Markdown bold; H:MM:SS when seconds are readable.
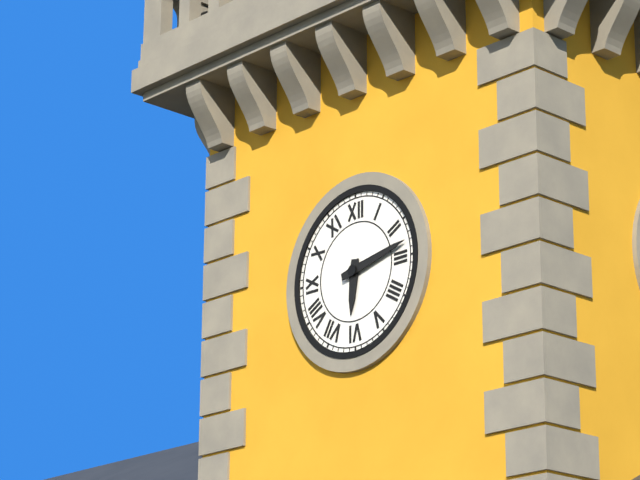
**6:13**
